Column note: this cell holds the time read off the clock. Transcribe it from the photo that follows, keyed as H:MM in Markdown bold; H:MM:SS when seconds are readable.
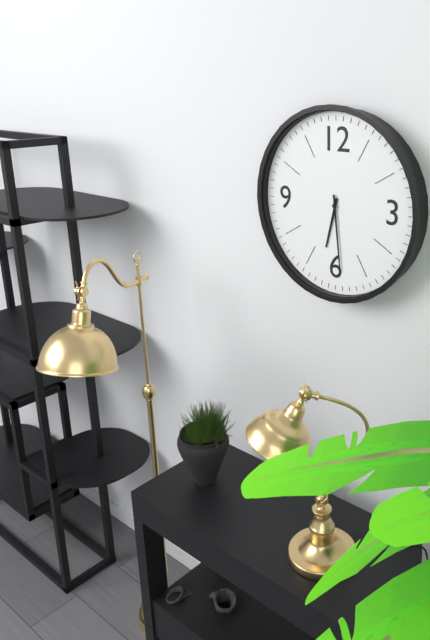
**6:29**
